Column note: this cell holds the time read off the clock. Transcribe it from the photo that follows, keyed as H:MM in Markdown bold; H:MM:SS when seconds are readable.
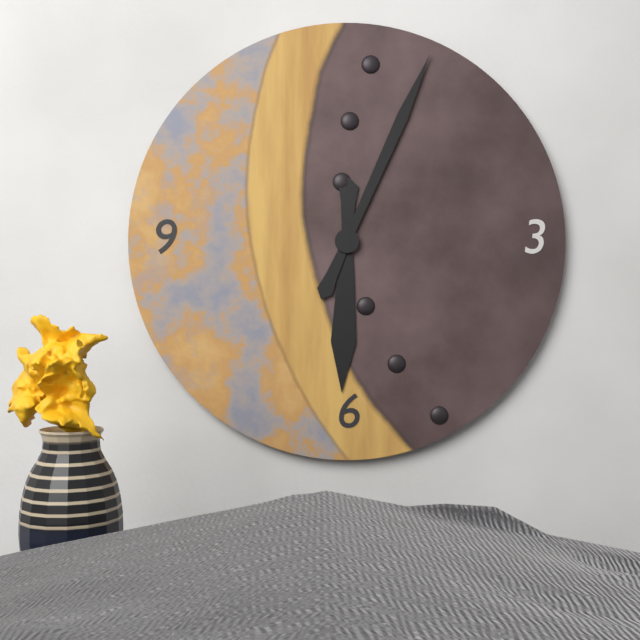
**6:04**
